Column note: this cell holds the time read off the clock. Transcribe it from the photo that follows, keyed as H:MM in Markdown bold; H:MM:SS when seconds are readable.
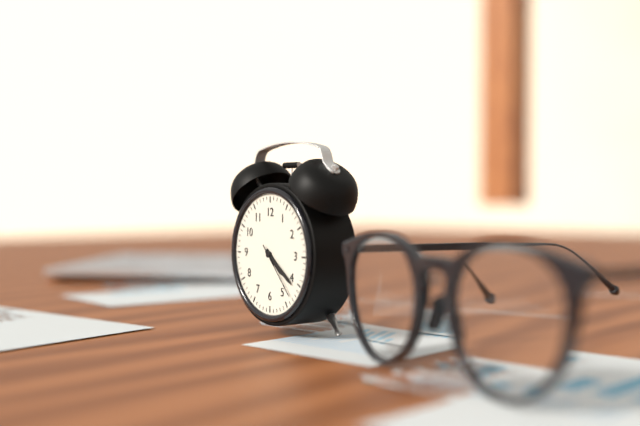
**4:21:23**
